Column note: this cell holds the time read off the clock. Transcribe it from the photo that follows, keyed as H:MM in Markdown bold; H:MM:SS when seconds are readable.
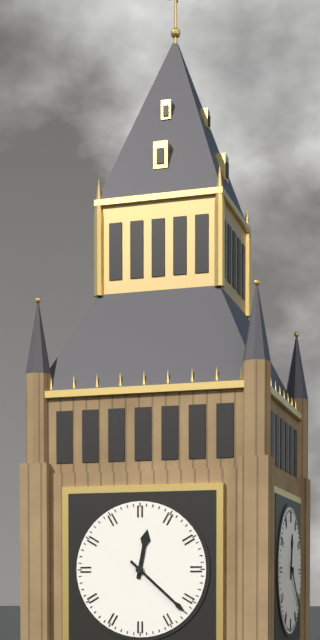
**12:22**
